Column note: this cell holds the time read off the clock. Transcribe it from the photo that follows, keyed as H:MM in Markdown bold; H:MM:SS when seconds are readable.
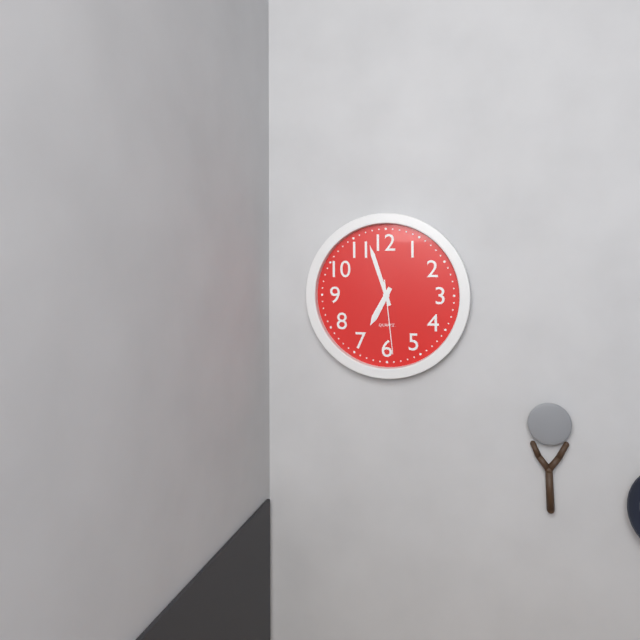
**6:57:29**
